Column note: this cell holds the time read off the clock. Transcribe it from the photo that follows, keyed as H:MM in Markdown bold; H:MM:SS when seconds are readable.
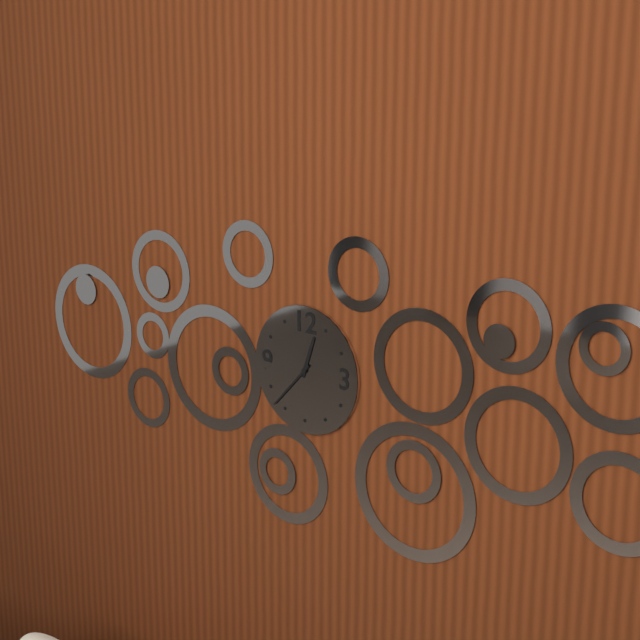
**12:37**
